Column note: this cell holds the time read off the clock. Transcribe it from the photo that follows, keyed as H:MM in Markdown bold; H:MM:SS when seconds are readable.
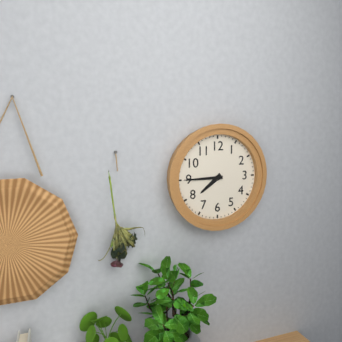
**7:45**
